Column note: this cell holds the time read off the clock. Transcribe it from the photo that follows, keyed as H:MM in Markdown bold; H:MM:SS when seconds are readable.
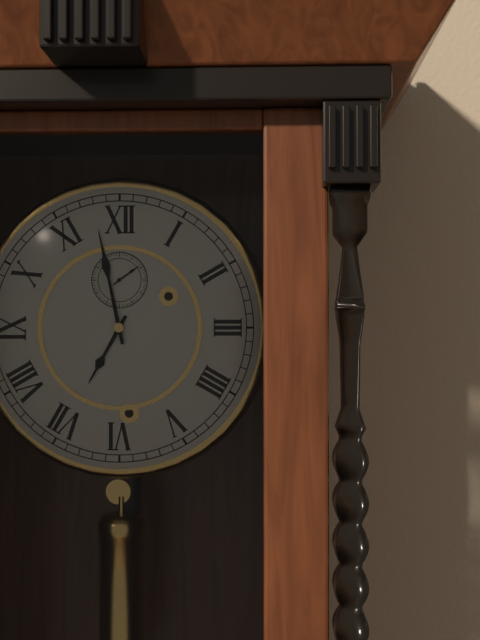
**6:58**
